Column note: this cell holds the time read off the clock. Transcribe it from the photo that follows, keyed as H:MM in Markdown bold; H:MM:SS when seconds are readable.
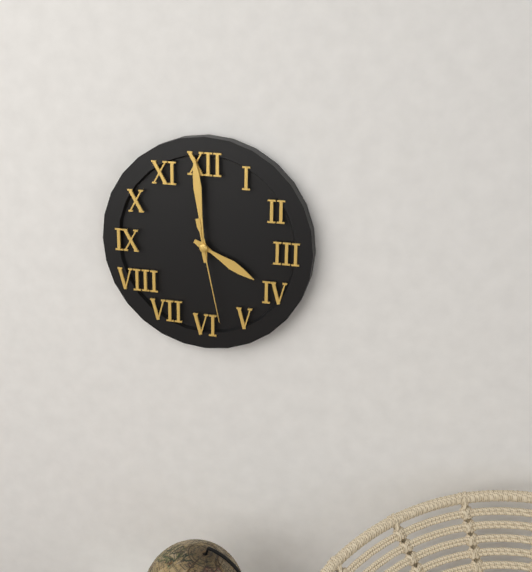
**3:59:28**
